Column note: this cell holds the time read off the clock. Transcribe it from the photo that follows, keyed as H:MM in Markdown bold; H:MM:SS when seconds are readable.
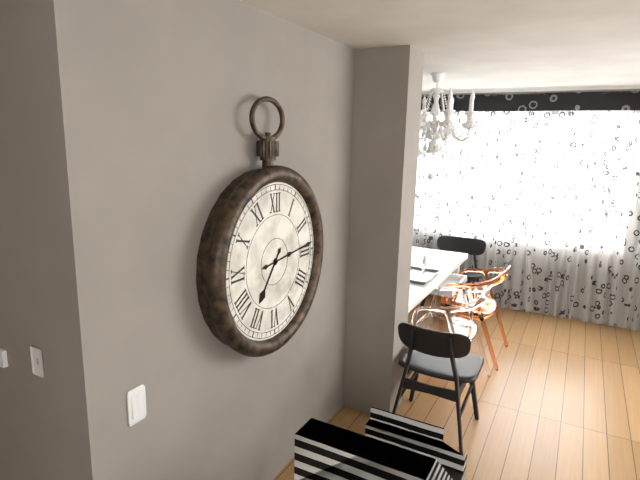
**7:14**
